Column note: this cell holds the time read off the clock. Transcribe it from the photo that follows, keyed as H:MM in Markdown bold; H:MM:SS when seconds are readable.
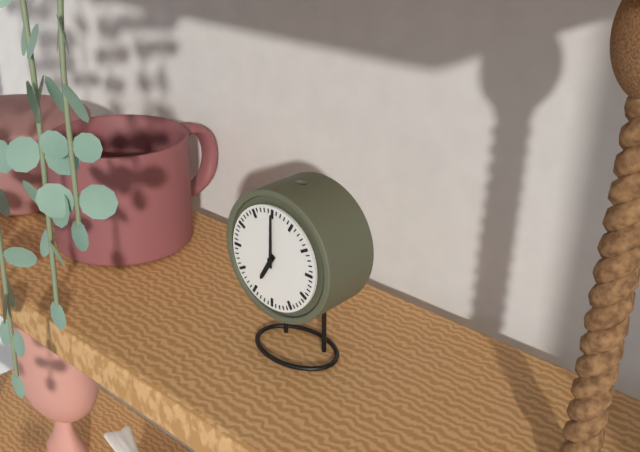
**7:00**
